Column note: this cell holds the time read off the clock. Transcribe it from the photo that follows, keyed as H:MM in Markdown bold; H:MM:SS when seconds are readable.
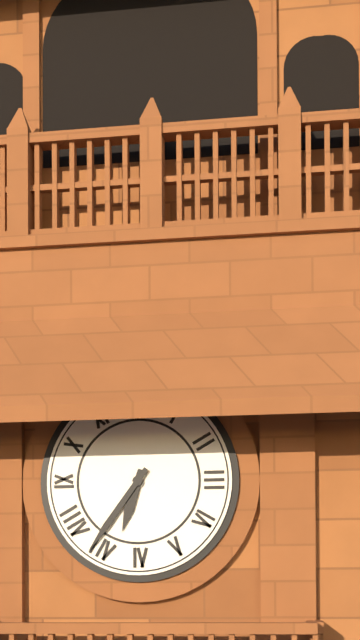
**6:36**
